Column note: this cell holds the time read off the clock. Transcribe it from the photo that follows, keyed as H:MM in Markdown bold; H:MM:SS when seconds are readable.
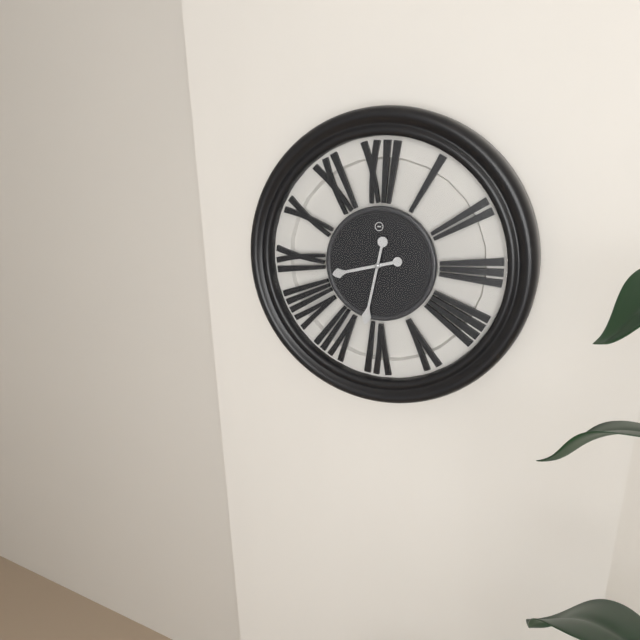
**8:32**
